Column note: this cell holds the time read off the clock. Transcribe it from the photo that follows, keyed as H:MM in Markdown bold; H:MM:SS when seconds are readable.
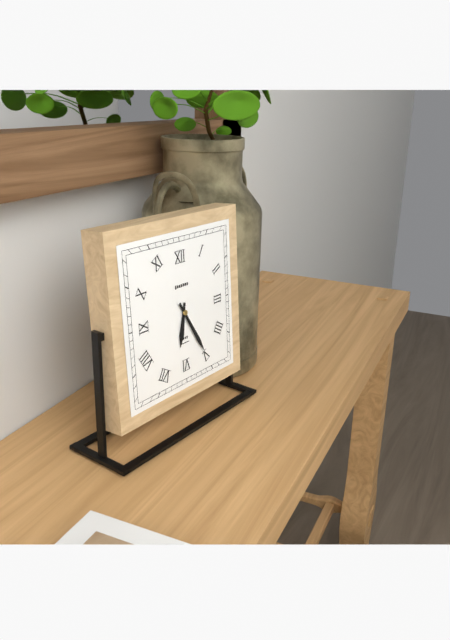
**6:25**
